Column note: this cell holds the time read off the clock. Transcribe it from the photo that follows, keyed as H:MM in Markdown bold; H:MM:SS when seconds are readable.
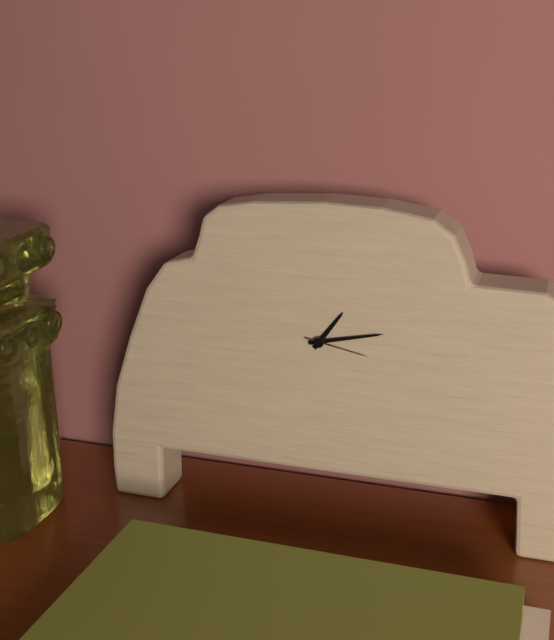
**1:13:17**
